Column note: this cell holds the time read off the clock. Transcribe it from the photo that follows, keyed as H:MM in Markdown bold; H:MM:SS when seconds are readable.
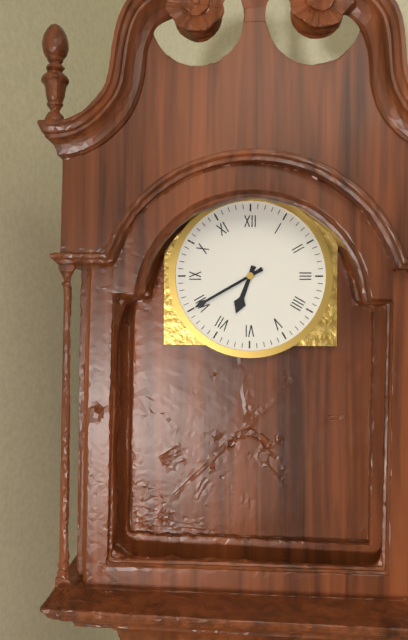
**6:40**
